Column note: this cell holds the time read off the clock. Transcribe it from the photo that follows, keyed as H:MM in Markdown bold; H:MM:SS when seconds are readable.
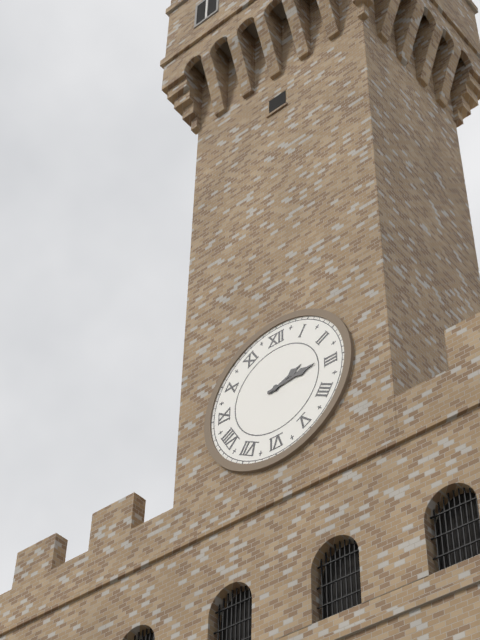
**2:14**
